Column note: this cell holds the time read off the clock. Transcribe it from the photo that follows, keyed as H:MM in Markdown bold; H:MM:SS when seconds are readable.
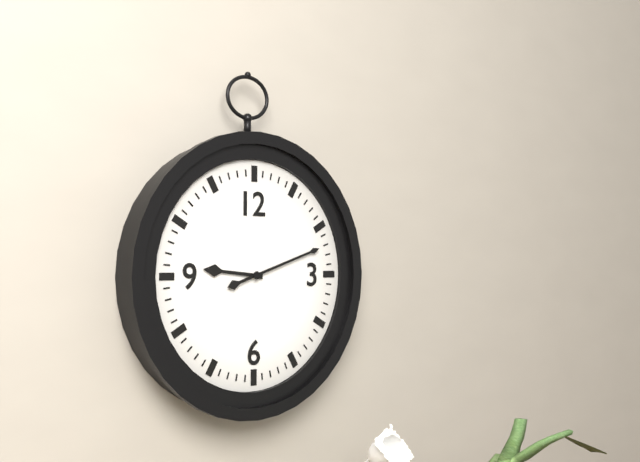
**9:12**
